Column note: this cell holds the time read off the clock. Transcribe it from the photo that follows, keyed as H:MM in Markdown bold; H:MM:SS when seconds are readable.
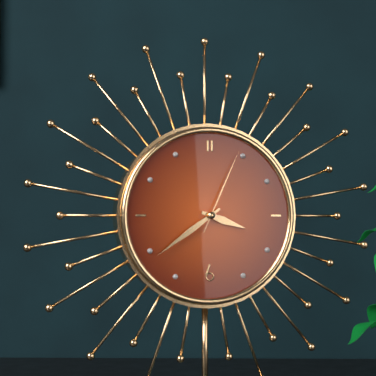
**3:39:04**
